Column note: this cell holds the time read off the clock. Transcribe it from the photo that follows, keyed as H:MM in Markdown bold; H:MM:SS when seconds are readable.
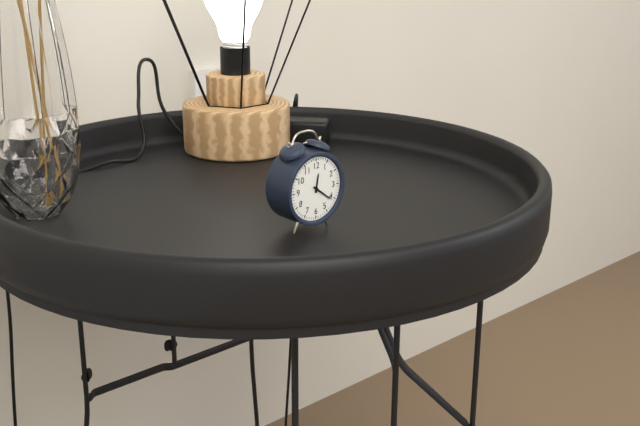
**12:21**
